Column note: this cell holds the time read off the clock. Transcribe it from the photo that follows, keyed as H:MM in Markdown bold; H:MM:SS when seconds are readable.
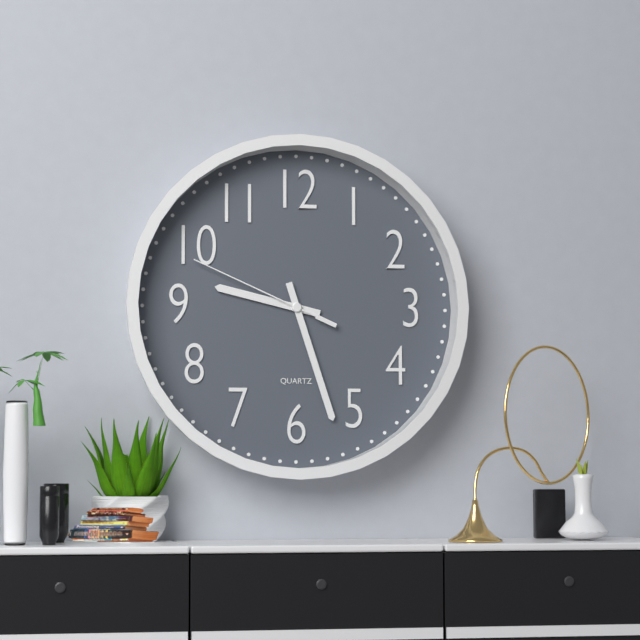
**9:27:49**
